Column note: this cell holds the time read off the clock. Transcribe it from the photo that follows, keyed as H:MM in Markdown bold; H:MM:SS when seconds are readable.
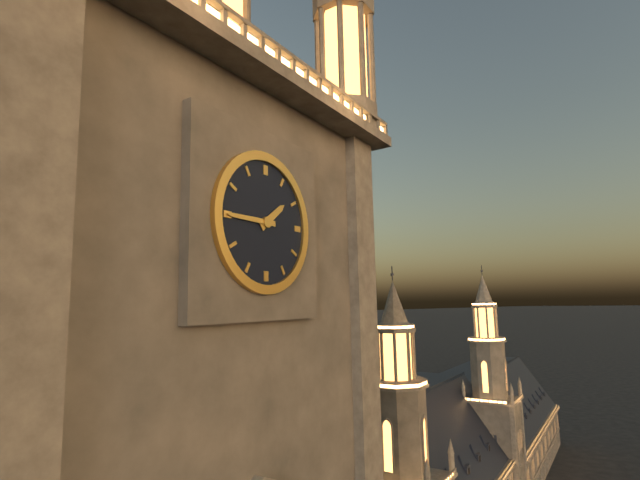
**1:45**
